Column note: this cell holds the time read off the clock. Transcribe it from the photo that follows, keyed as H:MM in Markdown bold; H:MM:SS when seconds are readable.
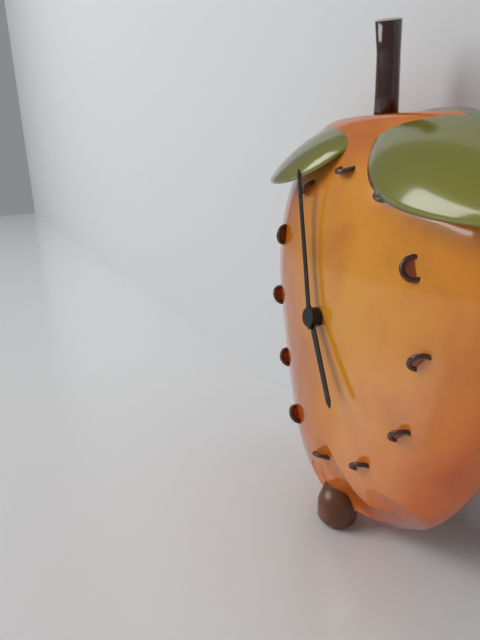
**4:57**
